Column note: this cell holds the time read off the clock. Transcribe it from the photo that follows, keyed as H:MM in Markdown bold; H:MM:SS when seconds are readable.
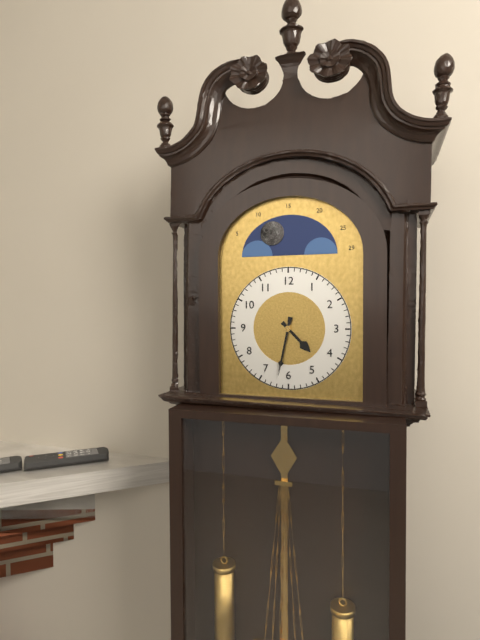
**4:32**
